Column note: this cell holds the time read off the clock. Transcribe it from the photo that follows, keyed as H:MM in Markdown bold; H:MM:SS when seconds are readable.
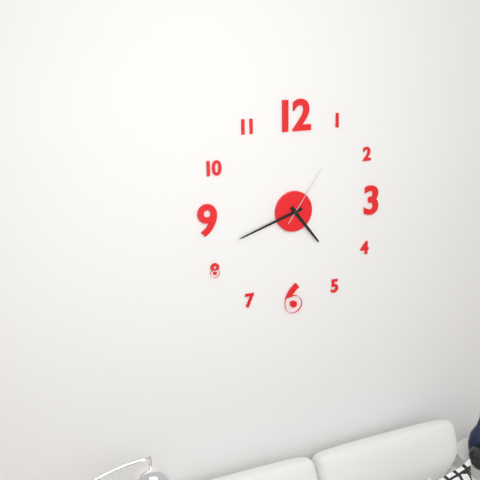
**4:42:06**
